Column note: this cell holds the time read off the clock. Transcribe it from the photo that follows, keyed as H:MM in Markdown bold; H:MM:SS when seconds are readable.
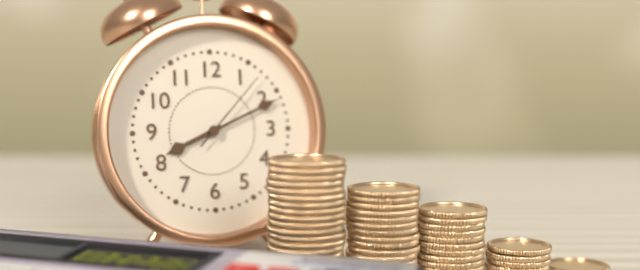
**8:11:07**
